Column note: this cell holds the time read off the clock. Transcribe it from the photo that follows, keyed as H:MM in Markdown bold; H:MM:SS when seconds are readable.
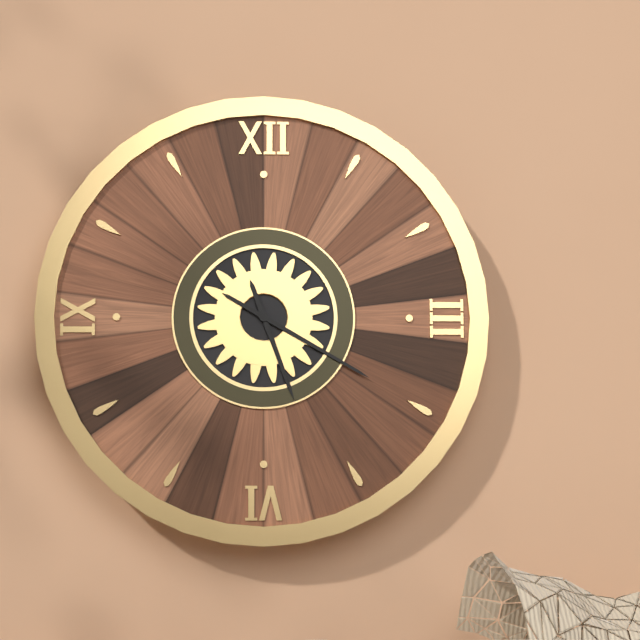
**5:20**
